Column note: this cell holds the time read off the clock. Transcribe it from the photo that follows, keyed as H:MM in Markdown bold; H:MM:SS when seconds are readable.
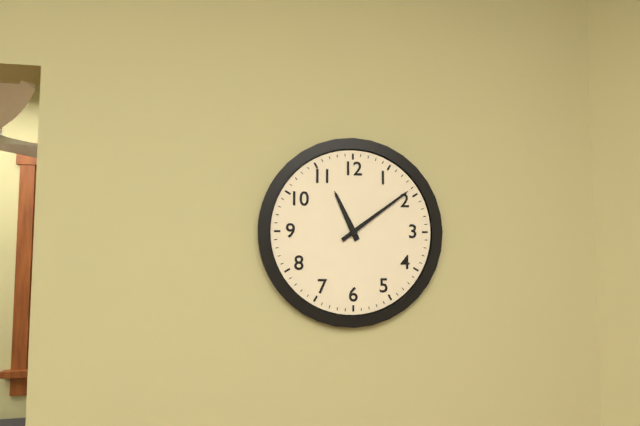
**11:09**
